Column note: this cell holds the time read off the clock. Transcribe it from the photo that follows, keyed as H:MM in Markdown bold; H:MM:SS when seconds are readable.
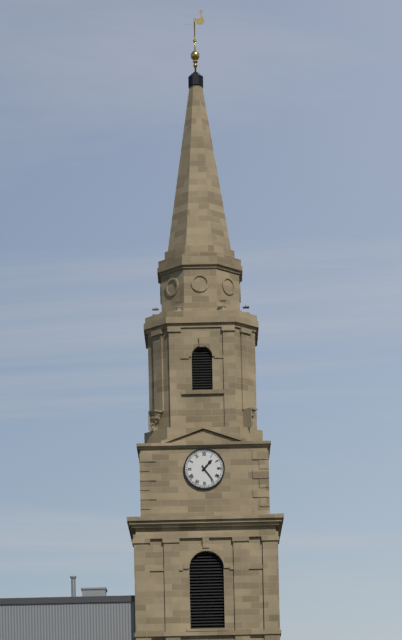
**1:24**
